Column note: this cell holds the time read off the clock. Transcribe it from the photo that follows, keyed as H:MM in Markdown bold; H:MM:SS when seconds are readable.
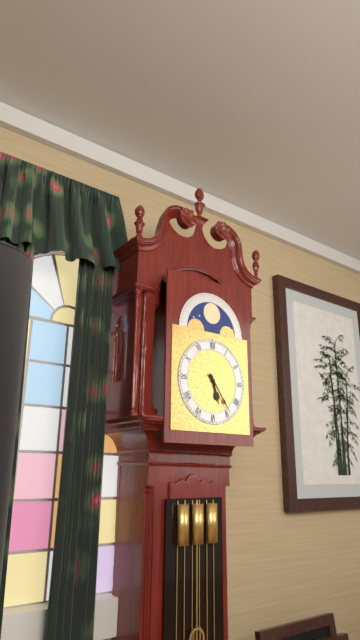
**5:24**
